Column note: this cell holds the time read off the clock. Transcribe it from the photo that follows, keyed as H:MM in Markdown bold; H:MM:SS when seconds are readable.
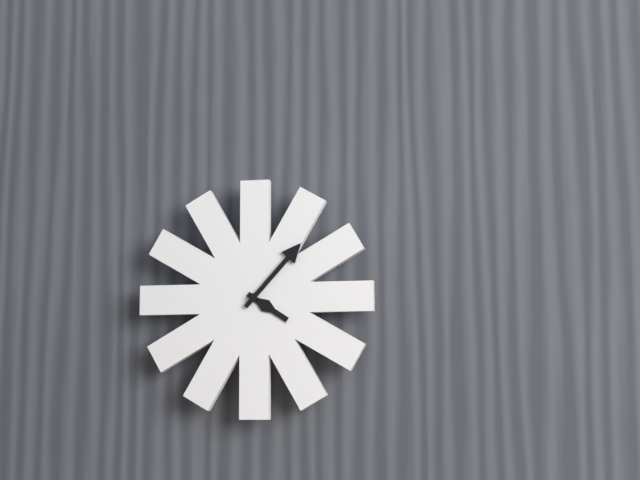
**4:07**
